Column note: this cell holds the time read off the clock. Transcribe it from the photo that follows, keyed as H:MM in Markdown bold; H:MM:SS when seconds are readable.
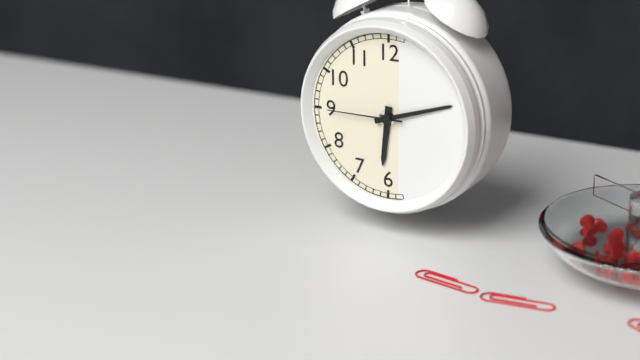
**6:12:45**
